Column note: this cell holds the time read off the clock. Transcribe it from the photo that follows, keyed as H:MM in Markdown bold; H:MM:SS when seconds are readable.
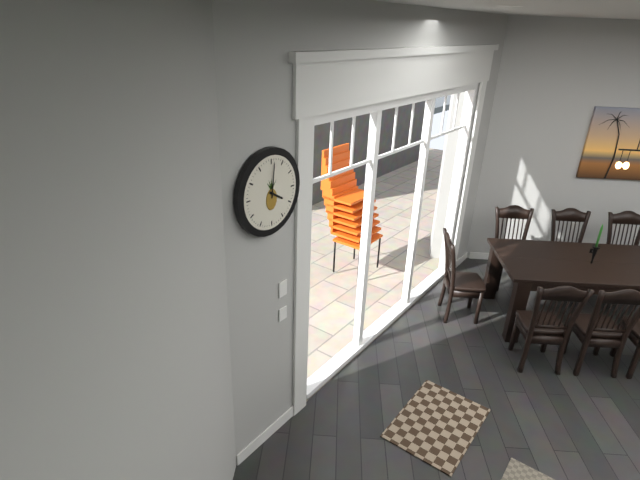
**4:01**
